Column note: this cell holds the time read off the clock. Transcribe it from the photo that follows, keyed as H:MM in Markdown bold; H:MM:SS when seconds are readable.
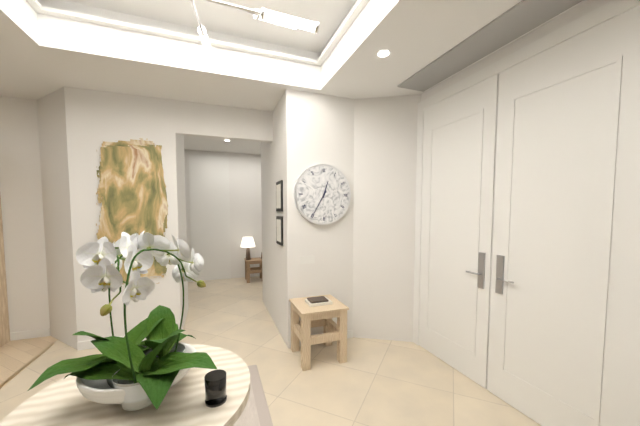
**12:35**
